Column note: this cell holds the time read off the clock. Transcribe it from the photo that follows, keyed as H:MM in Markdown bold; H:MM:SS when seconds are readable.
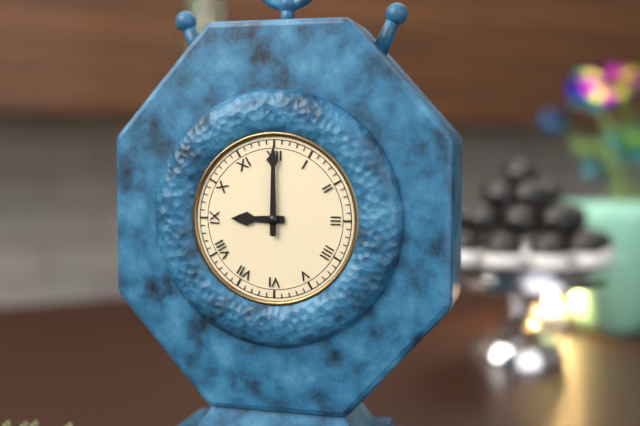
**9:00**
